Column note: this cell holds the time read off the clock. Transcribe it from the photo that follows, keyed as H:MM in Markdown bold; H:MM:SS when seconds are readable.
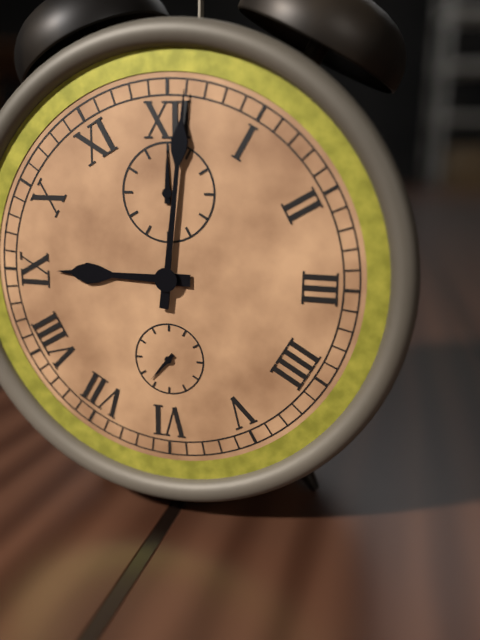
**9:01**
